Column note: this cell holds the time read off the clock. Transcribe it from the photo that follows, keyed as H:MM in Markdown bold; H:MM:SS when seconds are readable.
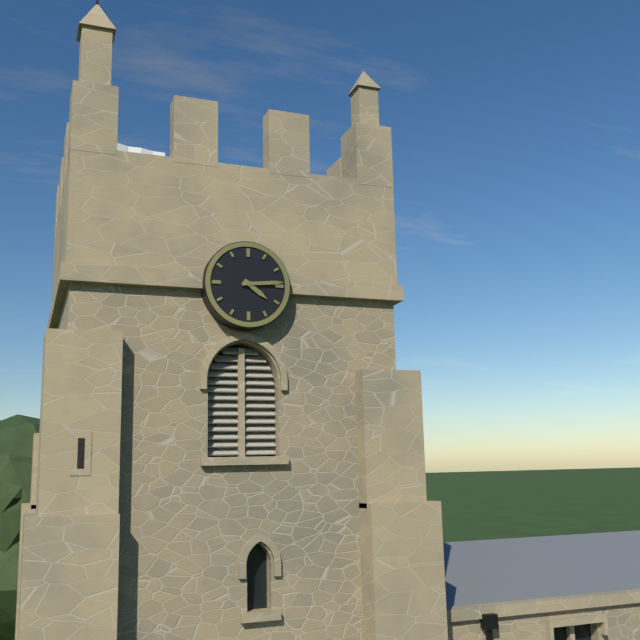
**4:14**
